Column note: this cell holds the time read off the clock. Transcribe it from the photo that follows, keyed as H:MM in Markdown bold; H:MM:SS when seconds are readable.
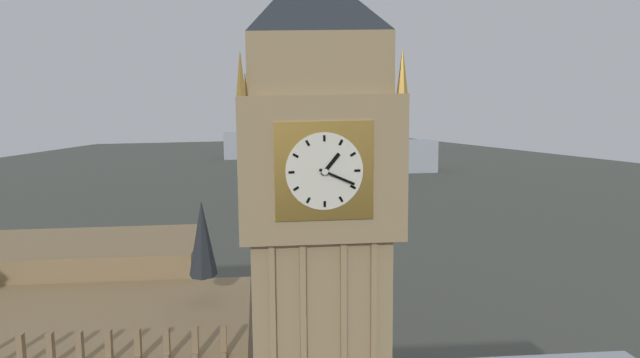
**1:19**
